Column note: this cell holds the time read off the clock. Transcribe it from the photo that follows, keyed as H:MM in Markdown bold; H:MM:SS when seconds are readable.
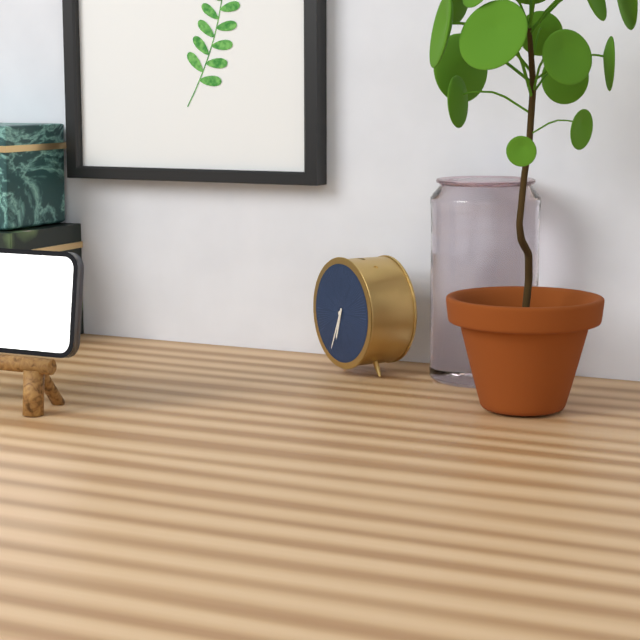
**6:34**
